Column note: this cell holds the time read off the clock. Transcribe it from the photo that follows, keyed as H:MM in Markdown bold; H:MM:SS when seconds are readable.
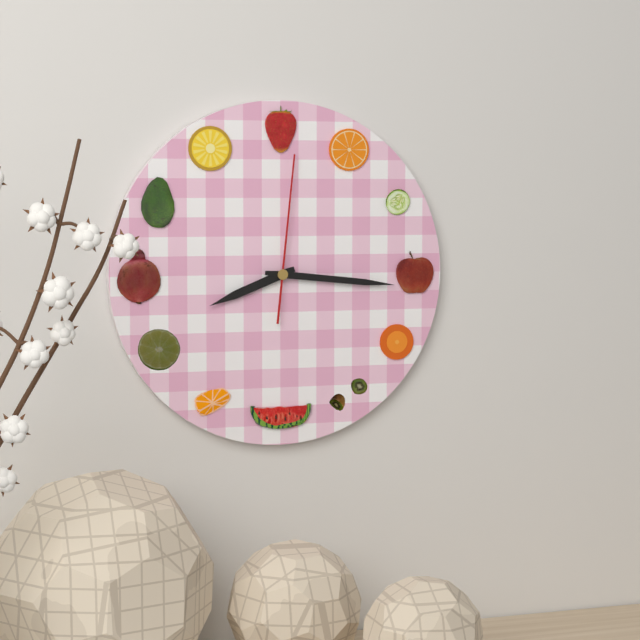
**8:16:01**
